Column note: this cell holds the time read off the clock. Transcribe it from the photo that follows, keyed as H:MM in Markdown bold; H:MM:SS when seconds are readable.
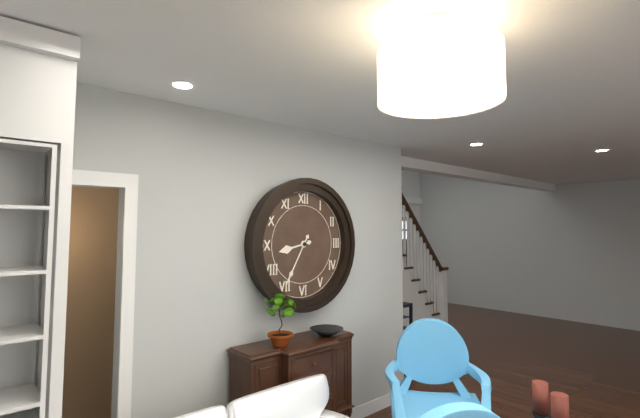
**8:35**
